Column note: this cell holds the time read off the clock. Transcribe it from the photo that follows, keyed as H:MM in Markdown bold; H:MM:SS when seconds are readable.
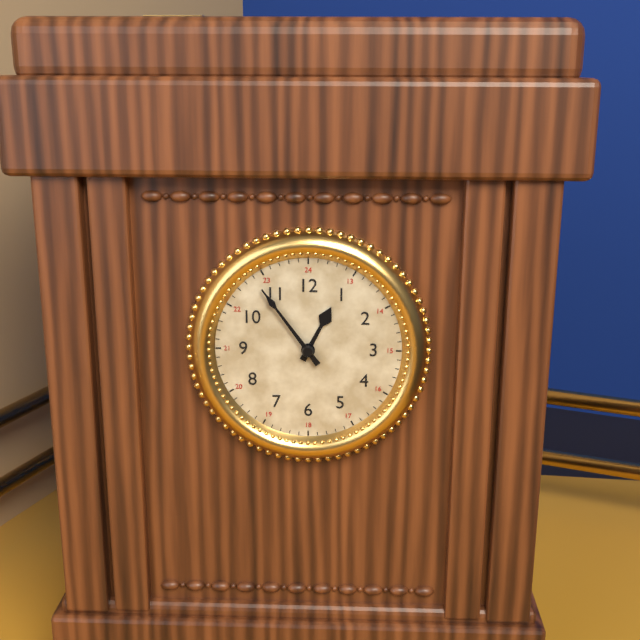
**12:54**
